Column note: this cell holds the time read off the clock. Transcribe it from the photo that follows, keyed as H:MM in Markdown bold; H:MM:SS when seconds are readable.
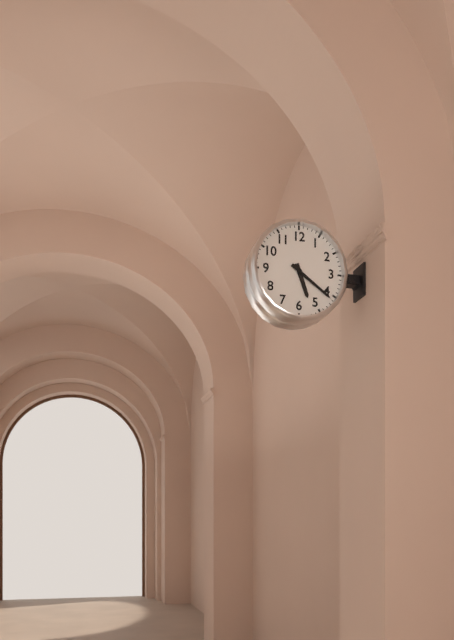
**5:21**
